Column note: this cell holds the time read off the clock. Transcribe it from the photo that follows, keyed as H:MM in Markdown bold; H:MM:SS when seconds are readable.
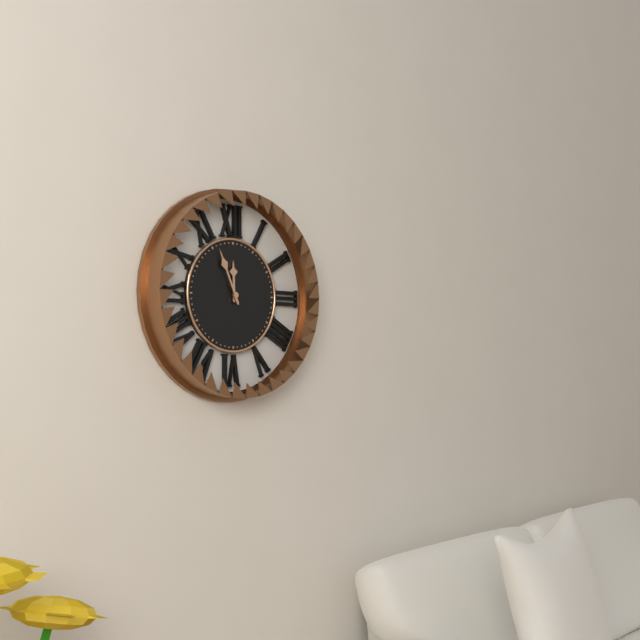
**11:56**
